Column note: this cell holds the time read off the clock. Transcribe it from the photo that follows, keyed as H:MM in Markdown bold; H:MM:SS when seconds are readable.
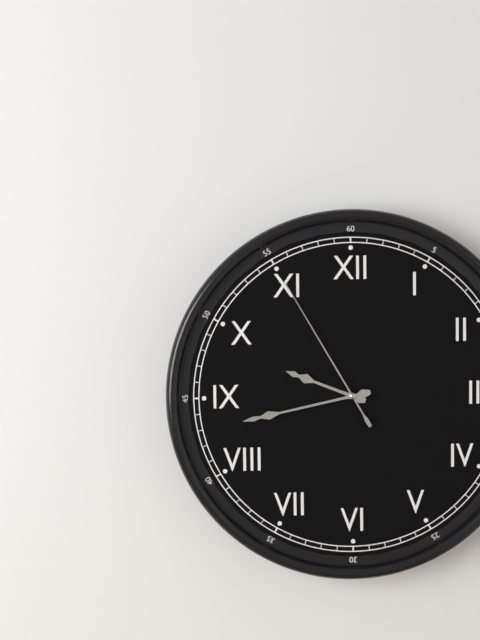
**9:43:55**
